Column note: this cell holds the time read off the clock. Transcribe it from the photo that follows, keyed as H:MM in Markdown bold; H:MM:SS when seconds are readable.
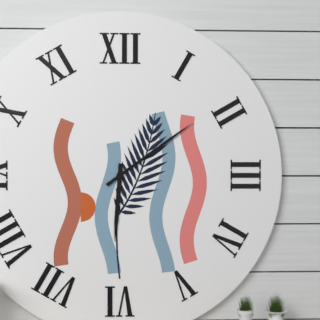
**6:09**
